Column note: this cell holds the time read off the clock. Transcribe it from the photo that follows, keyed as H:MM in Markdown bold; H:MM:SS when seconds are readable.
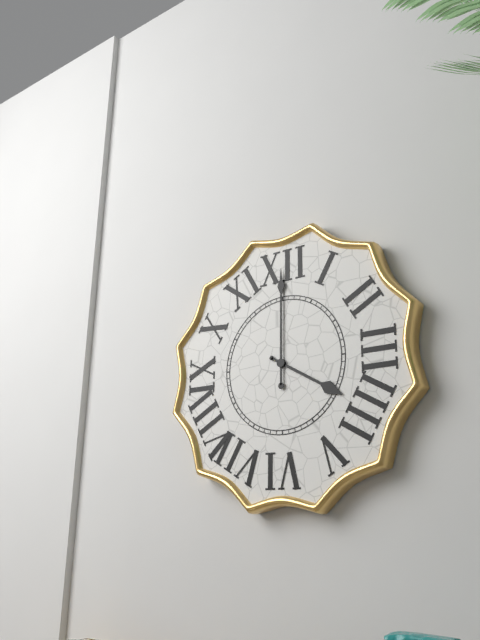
**4:00**
